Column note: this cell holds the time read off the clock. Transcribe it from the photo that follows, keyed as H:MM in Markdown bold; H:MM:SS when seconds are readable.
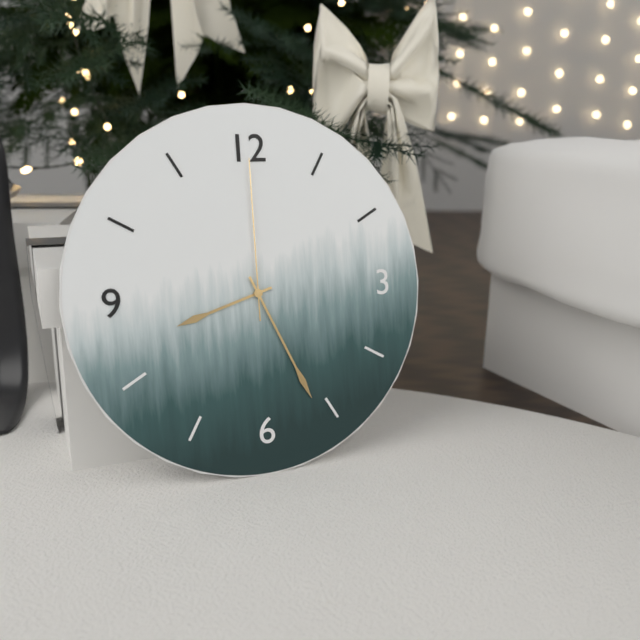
**8:26:00**
